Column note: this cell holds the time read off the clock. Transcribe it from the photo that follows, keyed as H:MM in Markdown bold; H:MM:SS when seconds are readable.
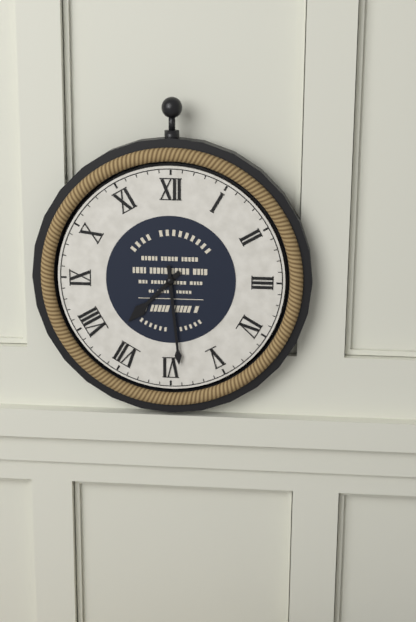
**7:29**
